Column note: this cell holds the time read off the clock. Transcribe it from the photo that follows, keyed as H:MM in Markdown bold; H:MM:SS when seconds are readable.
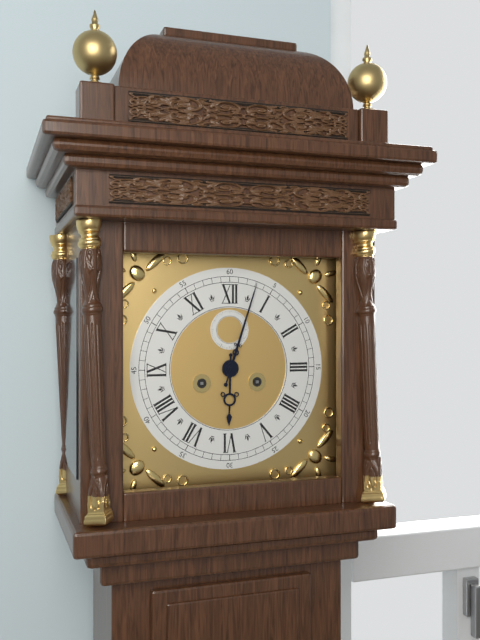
**6:03**
